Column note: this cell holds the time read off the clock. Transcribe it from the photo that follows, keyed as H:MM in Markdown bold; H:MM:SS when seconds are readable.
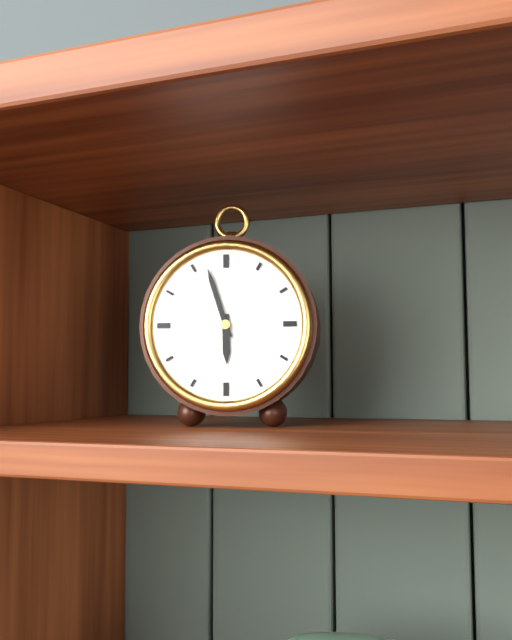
**5:57**
